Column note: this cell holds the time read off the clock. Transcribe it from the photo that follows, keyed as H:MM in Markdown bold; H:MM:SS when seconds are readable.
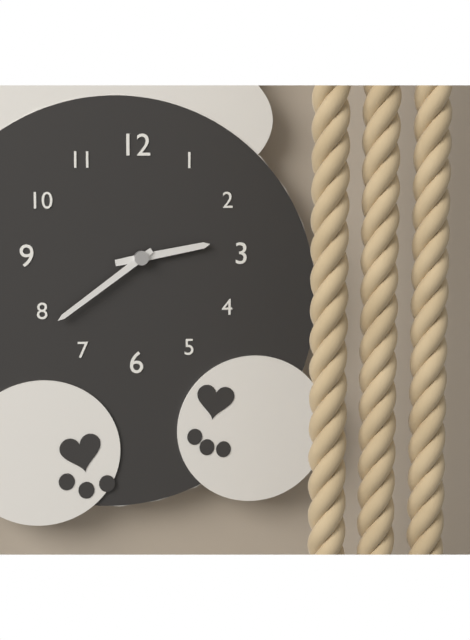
**2:39**
